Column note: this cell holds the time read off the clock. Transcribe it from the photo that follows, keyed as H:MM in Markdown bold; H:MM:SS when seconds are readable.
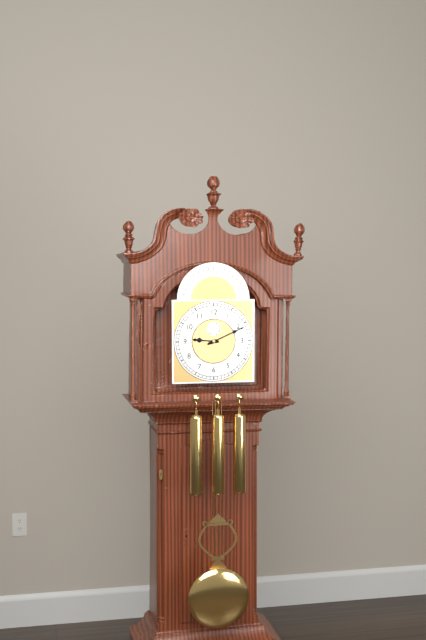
**9:11**
